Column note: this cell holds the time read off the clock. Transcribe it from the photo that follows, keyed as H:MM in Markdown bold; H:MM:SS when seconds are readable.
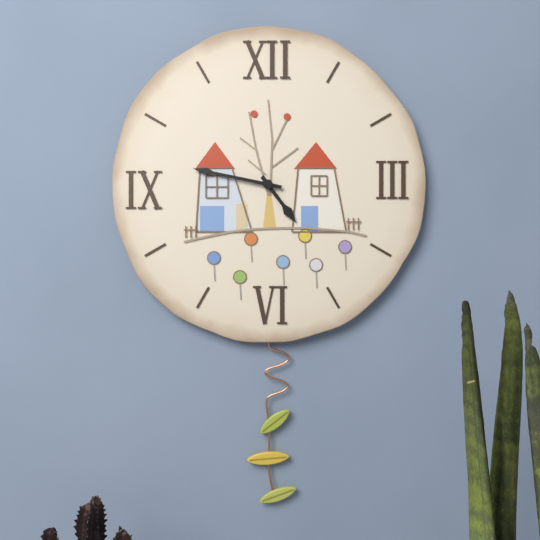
**4:47**
